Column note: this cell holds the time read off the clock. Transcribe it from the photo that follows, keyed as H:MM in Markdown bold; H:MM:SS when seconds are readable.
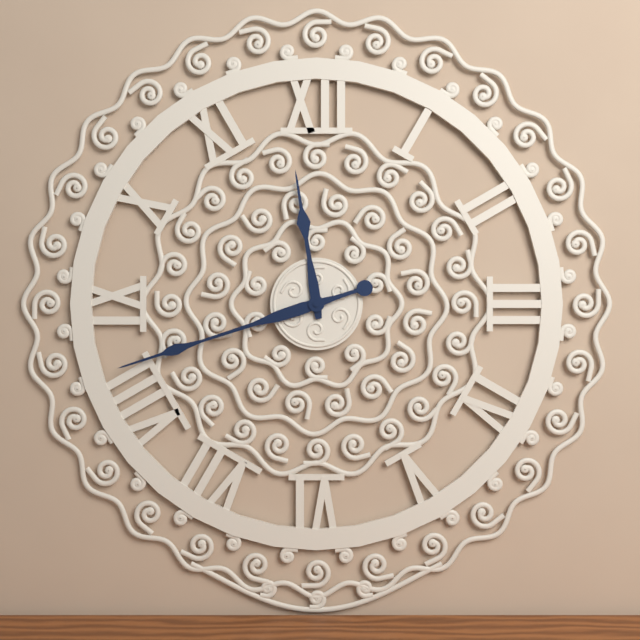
**11:42**
